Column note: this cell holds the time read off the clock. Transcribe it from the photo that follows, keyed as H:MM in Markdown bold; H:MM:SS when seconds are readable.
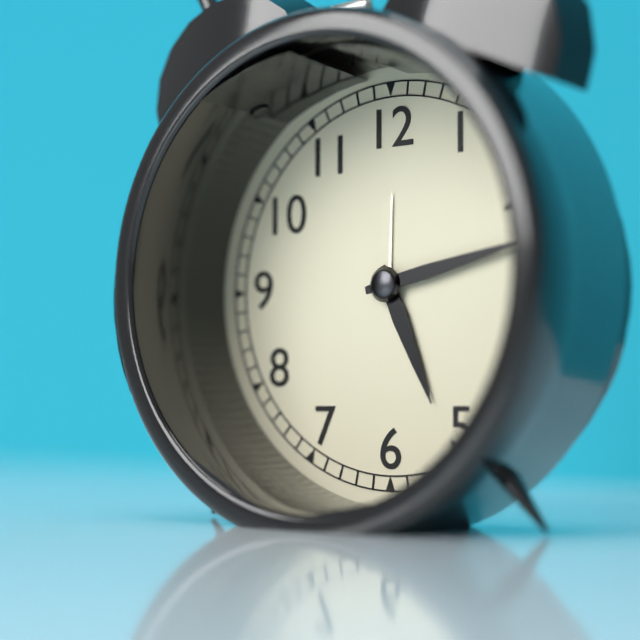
**5:13**
